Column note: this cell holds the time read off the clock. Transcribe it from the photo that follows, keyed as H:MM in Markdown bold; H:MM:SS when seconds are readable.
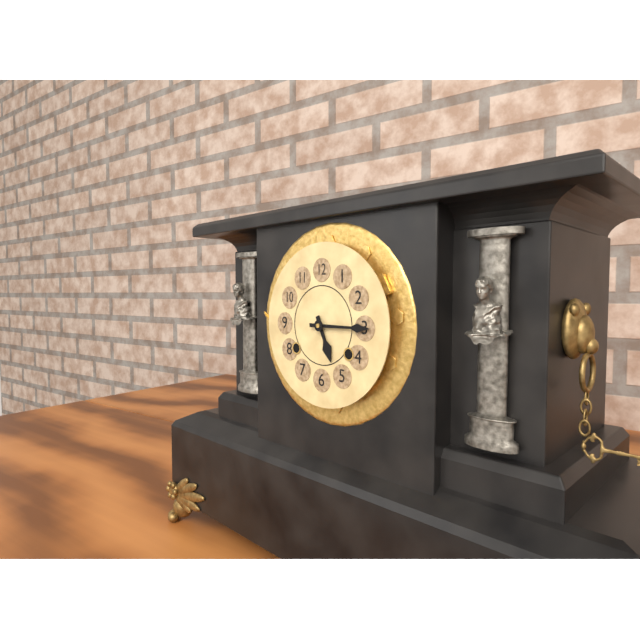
**5:15**
